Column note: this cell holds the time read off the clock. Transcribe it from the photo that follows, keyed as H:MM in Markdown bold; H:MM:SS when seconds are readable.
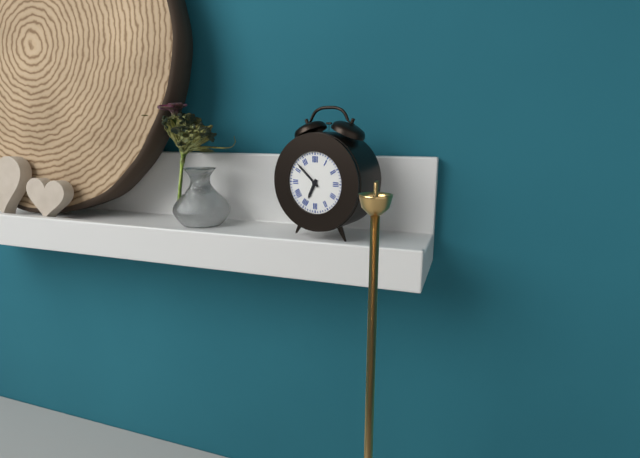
**6:52**
